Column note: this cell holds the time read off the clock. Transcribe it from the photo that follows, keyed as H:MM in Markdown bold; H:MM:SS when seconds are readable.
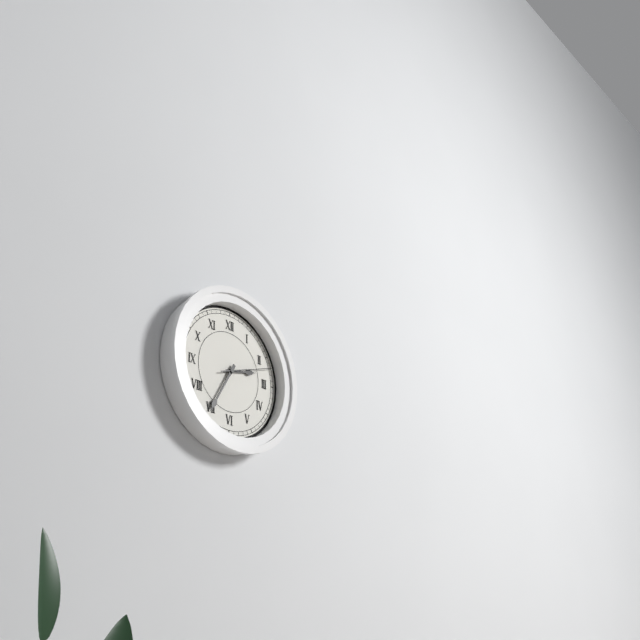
**2:35:12**
